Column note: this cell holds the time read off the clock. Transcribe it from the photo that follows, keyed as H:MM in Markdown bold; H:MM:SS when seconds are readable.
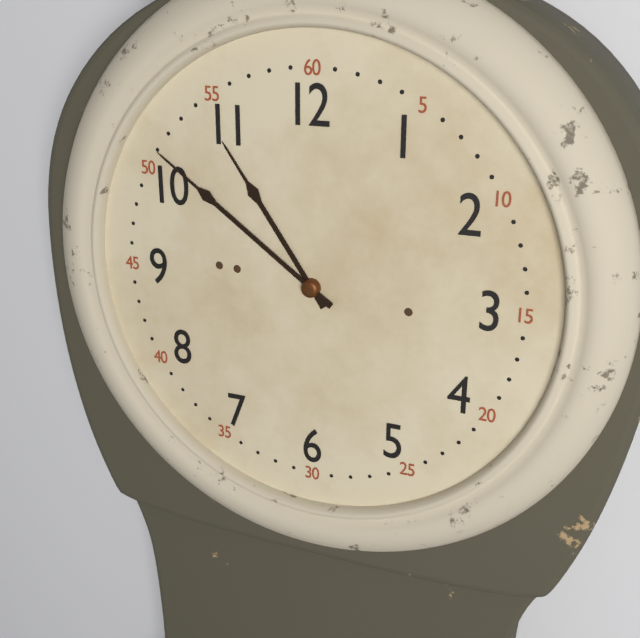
**10:51**
